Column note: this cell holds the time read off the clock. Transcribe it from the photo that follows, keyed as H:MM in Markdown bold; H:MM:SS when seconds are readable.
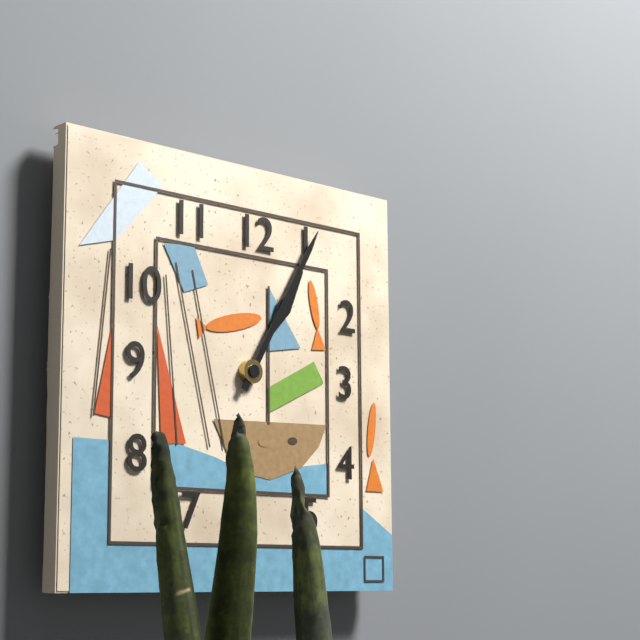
**1:05**
